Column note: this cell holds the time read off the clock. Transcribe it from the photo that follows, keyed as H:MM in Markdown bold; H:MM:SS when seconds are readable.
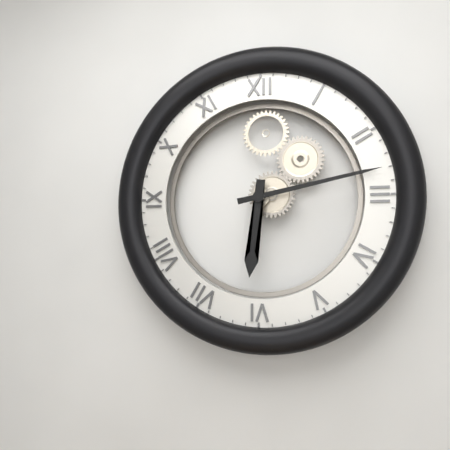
**6:13**
